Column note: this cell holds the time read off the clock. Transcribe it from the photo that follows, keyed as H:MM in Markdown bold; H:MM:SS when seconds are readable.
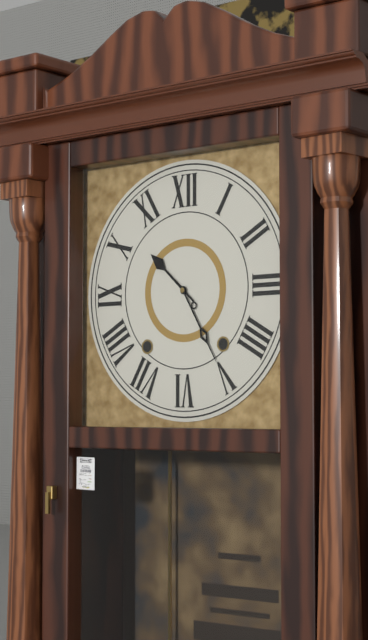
**10:25**
